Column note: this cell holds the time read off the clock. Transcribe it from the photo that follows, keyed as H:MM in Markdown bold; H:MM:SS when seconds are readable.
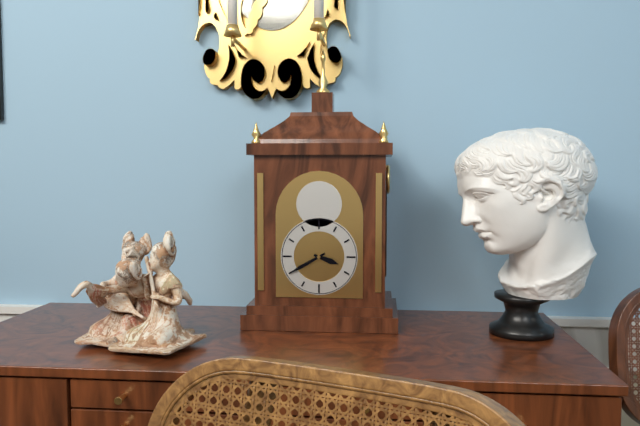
**3:40**
